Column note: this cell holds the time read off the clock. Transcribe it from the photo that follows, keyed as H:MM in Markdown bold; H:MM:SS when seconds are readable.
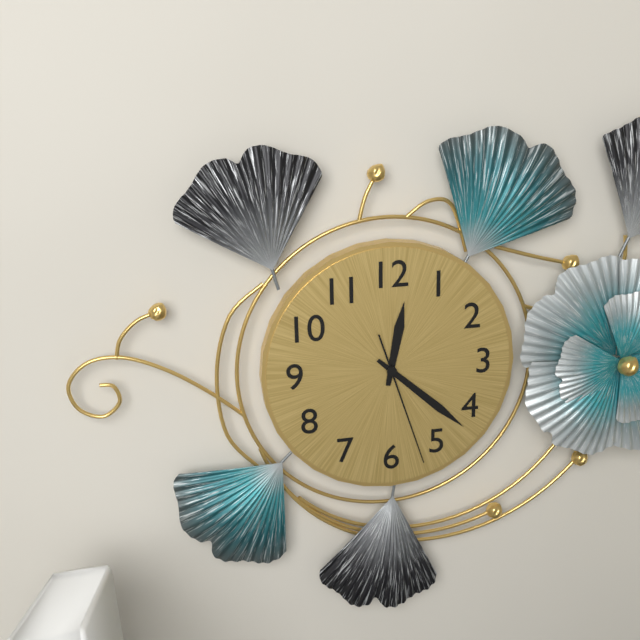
**12:22:27**
